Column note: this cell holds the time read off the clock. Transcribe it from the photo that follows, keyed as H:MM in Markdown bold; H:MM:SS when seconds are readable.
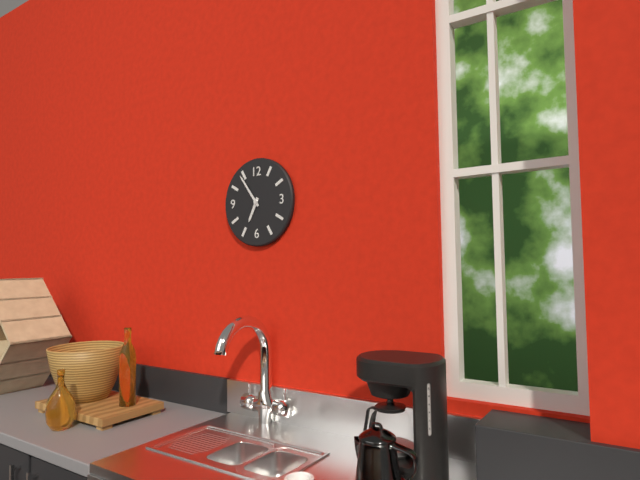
**6:54**
